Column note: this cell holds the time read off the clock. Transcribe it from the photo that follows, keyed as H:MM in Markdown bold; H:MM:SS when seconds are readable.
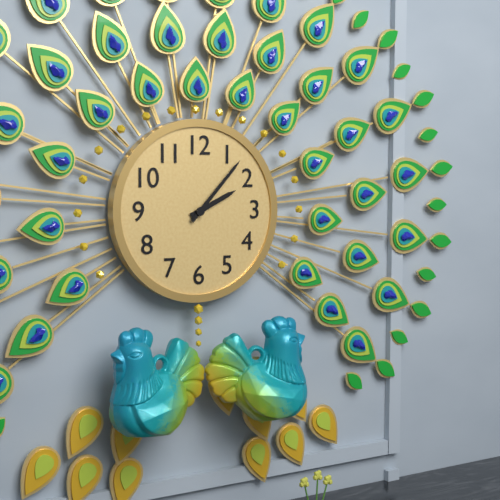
**2:07**
